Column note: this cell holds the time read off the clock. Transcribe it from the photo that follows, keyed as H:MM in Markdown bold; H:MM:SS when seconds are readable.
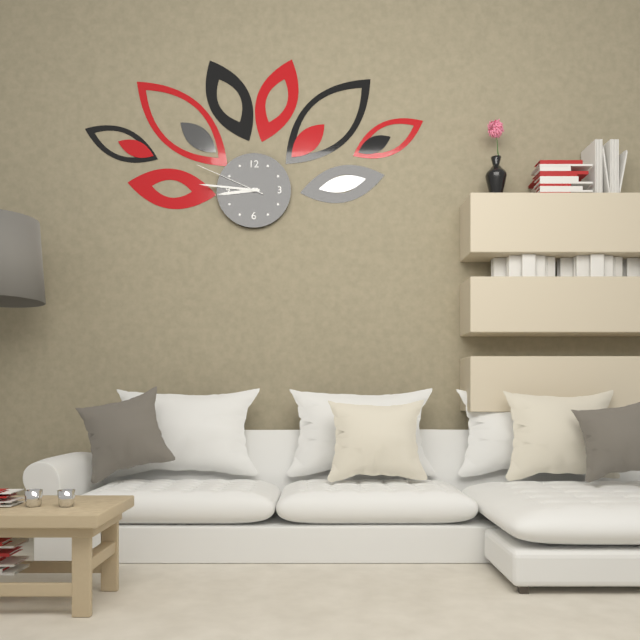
**8:46:49**
